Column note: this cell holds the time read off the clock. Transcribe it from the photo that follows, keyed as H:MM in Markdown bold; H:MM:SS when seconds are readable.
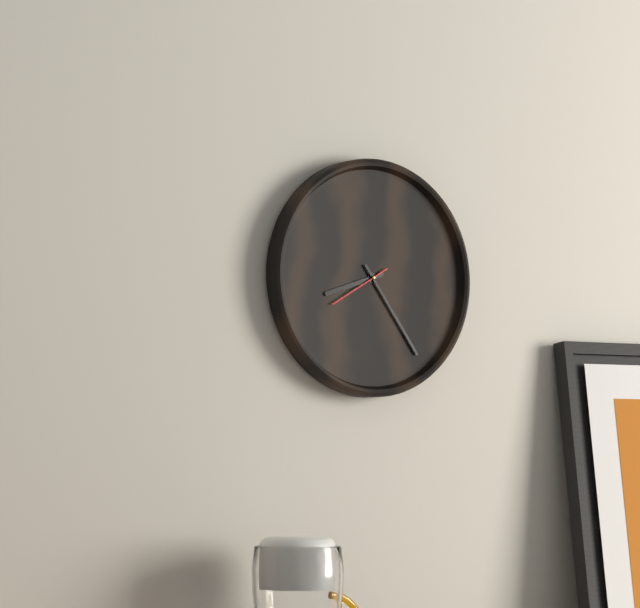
**8:24:40**
